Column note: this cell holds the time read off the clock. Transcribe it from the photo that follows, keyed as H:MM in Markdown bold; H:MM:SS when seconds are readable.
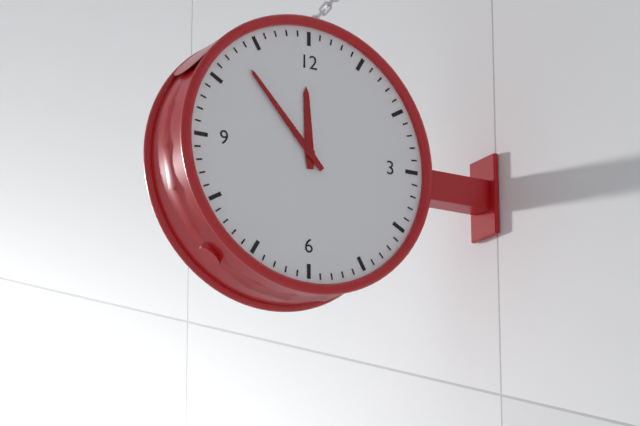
**11:53**
